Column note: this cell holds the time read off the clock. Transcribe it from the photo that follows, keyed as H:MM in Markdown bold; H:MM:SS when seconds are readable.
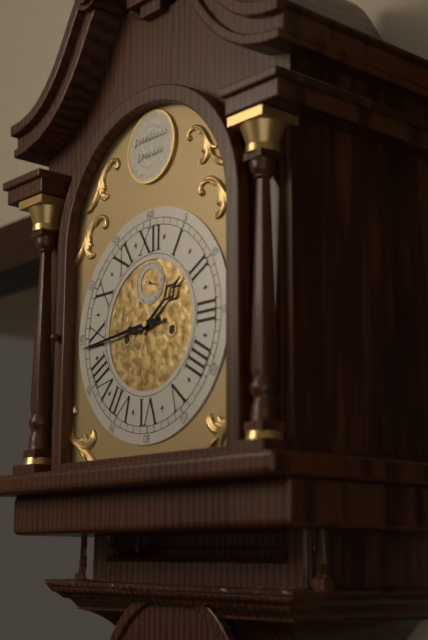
**1:44:18**
